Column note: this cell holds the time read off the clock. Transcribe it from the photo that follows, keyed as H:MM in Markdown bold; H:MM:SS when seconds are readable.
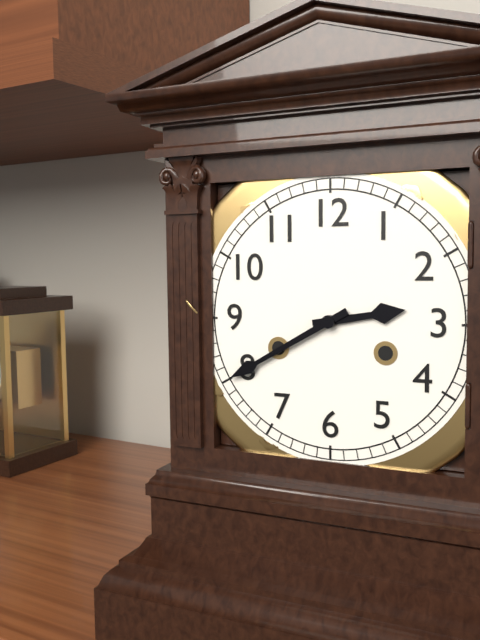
**2:40**
